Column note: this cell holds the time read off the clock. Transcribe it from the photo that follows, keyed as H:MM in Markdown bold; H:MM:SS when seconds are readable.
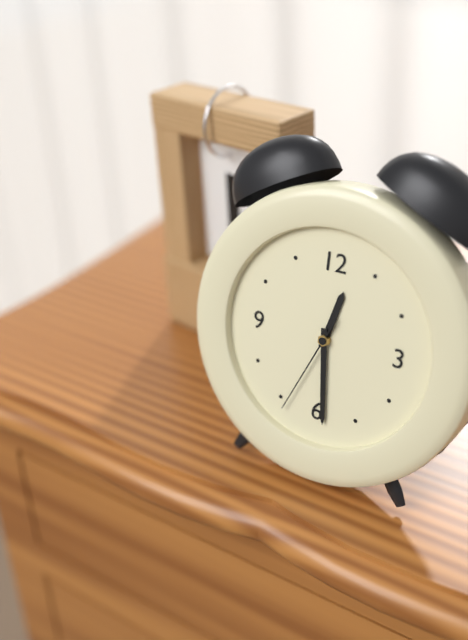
**12:29:34**
